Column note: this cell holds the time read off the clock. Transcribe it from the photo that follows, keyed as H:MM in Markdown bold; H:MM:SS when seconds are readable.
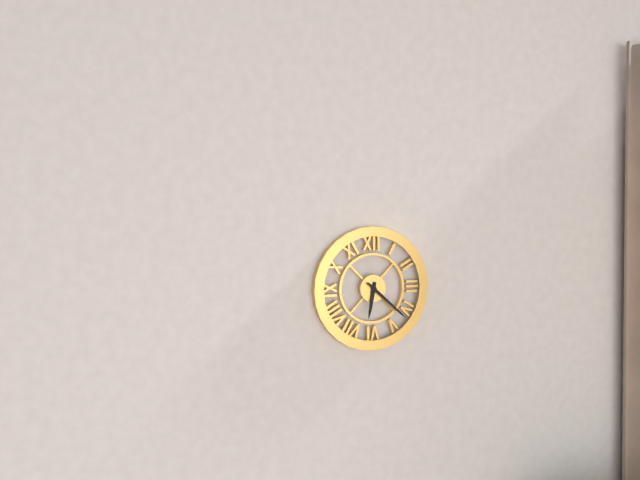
**6:22**
